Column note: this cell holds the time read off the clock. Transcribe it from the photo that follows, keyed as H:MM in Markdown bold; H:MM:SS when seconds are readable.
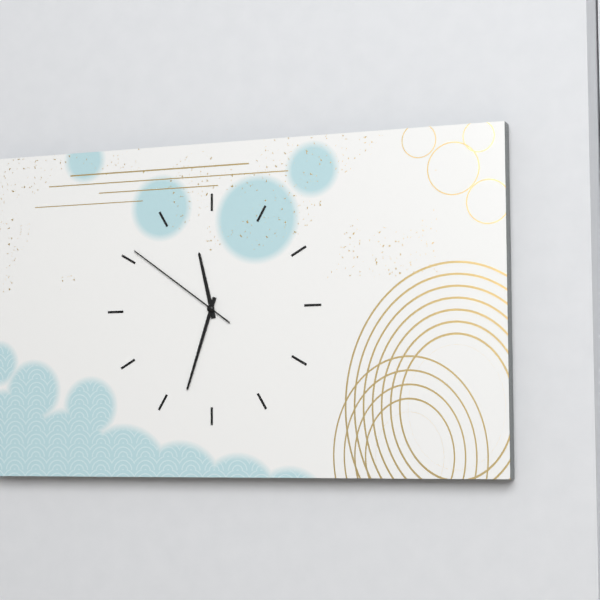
**11:33:51**
